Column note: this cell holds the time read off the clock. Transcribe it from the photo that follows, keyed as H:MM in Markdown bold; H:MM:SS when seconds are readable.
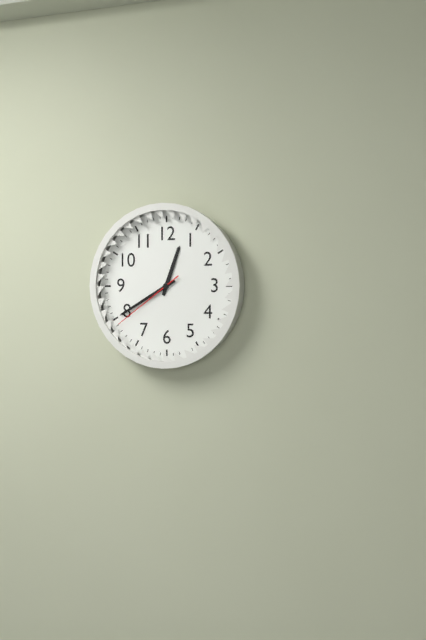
**12:40:39**
